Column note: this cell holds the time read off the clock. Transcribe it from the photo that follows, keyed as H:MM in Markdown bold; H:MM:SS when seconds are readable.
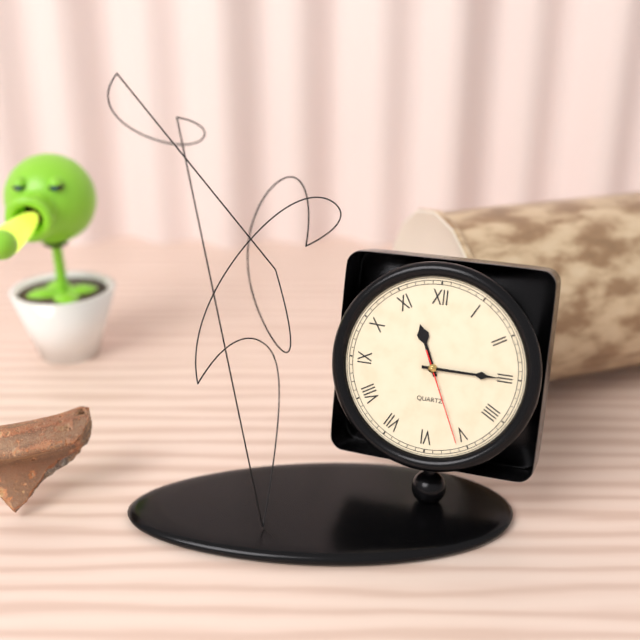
**11:15:26**
